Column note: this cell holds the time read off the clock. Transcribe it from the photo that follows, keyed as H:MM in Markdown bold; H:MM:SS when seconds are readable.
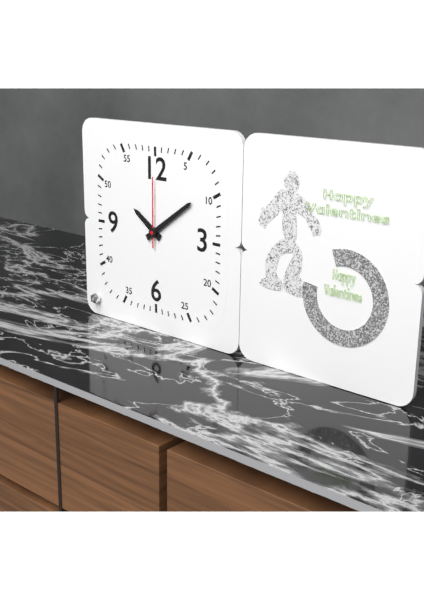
**10:09:00**
